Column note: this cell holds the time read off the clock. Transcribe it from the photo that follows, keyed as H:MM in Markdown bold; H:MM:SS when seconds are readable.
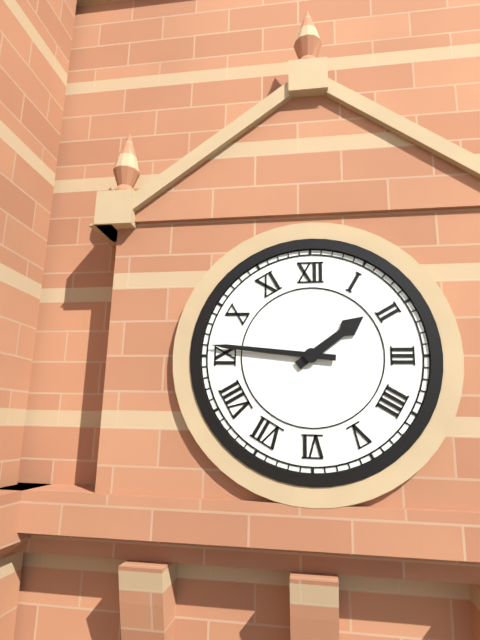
**1:46**
